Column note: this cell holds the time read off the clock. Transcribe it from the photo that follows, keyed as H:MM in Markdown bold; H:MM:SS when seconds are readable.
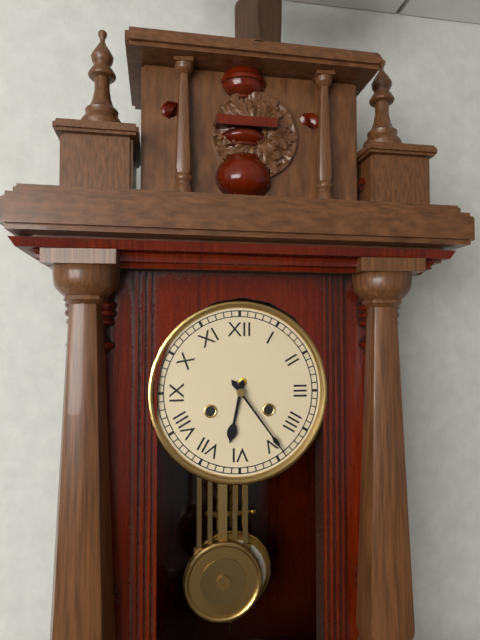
**6:24**
